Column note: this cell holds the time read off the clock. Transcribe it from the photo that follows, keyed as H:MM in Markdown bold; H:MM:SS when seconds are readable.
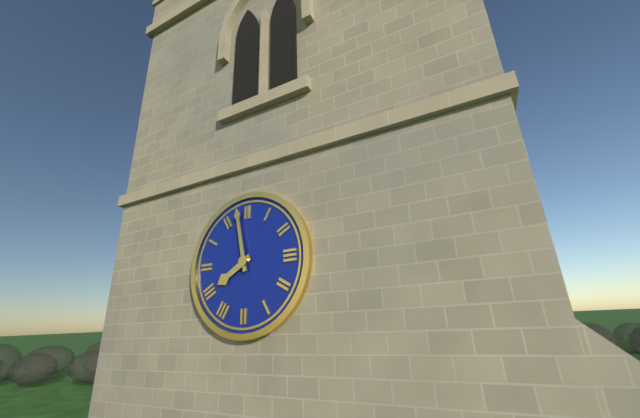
**7:58**
